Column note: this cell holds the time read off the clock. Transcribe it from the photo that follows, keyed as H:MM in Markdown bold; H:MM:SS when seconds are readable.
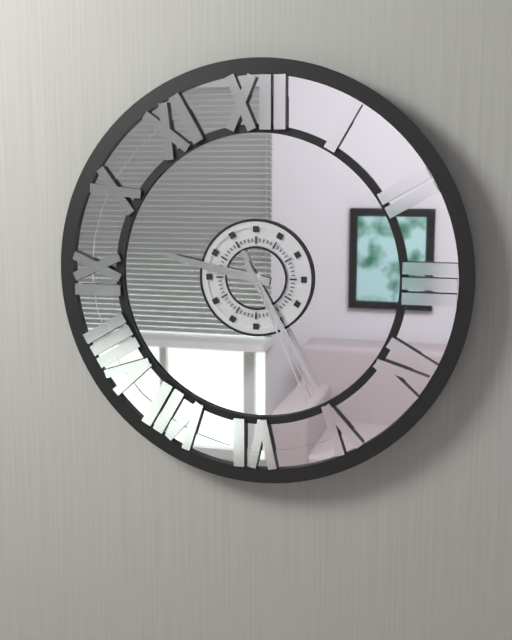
**9:25:26**
